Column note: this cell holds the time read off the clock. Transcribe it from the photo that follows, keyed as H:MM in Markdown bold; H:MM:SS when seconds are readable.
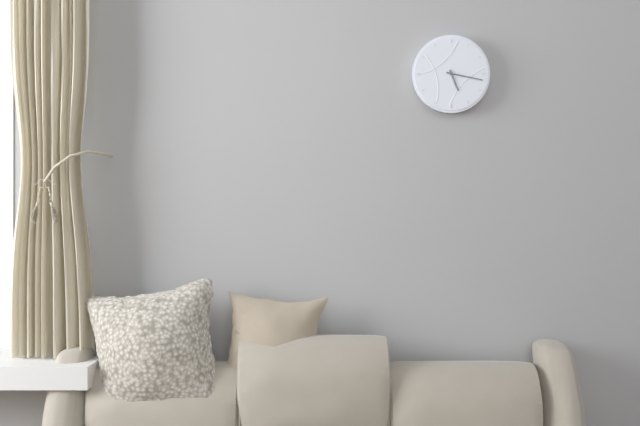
**5:17**
